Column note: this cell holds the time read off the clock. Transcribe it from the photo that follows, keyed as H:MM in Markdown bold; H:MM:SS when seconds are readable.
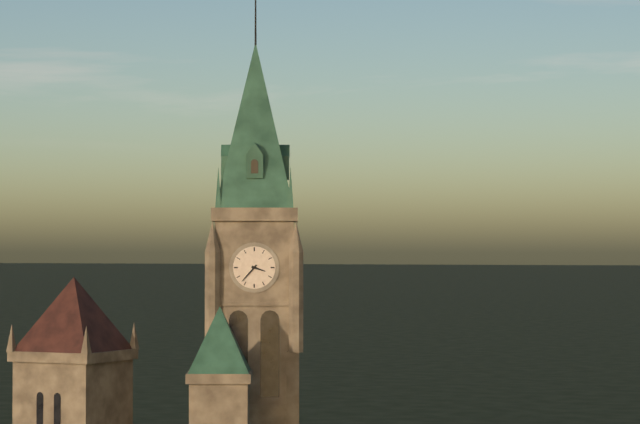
**3:37**
